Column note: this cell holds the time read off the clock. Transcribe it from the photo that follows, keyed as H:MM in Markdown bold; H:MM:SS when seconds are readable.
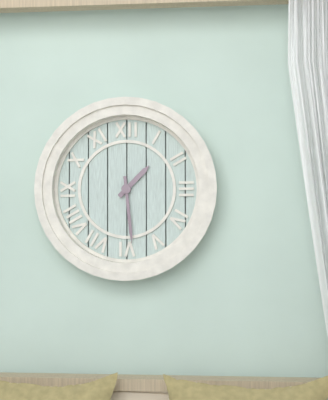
**1:29**
